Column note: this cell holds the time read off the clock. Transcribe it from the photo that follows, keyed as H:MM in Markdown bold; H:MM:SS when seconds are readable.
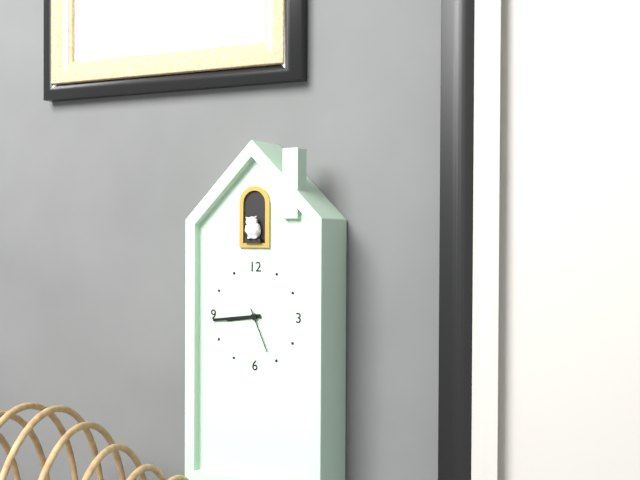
**8:44**
